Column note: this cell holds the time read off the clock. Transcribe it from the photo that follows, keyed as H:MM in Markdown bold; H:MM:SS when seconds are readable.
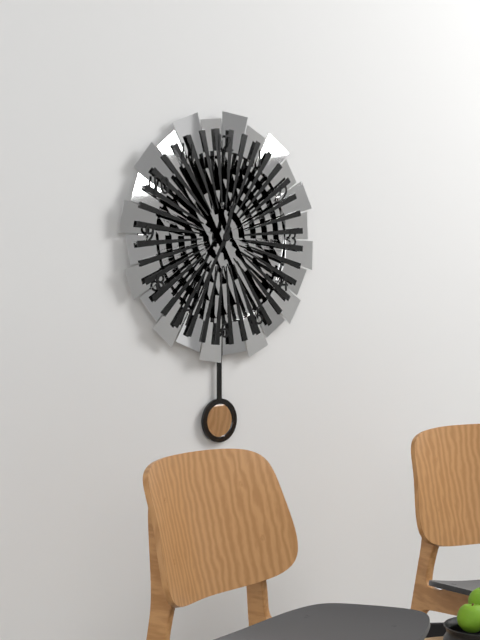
**12:35**
